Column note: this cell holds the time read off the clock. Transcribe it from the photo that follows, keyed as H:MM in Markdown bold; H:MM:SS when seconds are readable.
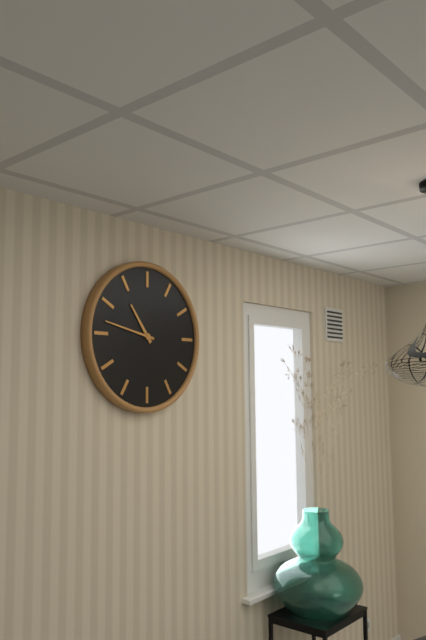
**10:47**
